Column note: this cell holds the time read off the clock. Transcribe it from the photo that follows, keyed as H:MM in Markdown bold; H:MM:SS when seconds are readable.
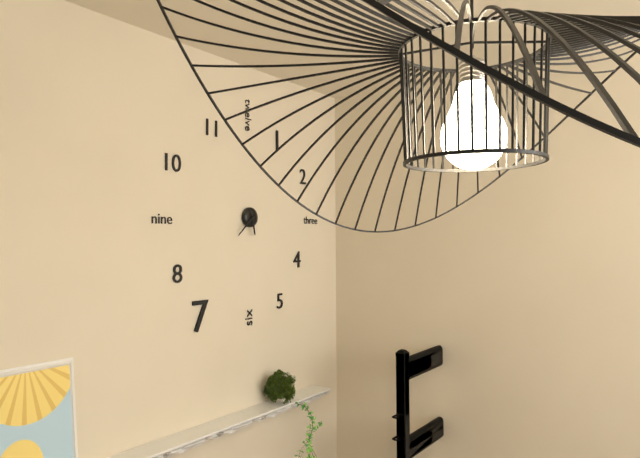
**5:38**
